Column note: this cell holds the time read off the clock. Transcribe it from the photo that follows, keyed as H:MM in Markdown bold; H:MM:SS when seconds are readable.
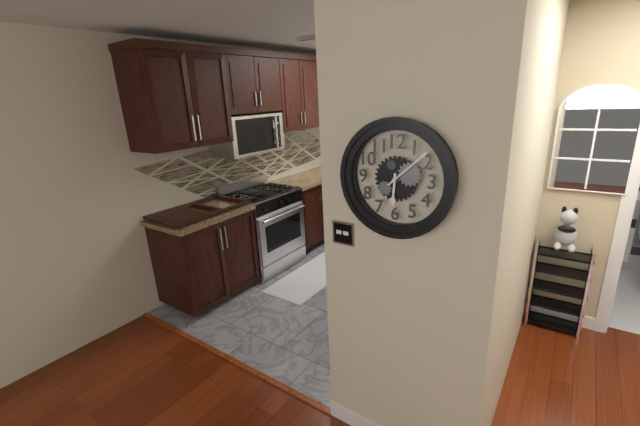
**6:08**
